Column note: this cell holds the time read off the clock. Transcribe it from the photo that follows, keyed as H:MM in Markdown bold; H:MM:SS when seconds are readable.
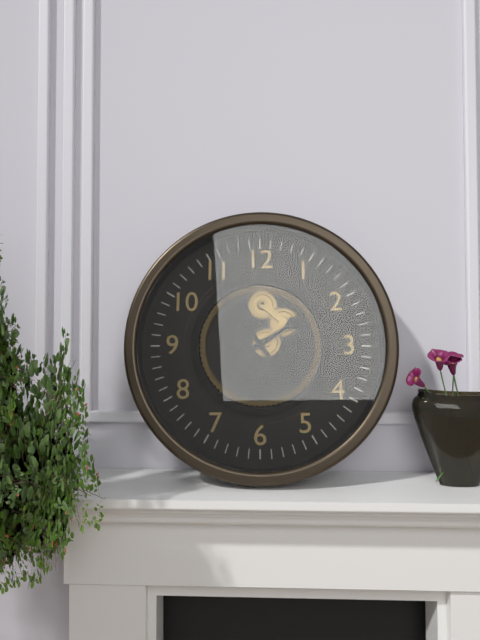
**1:54**
